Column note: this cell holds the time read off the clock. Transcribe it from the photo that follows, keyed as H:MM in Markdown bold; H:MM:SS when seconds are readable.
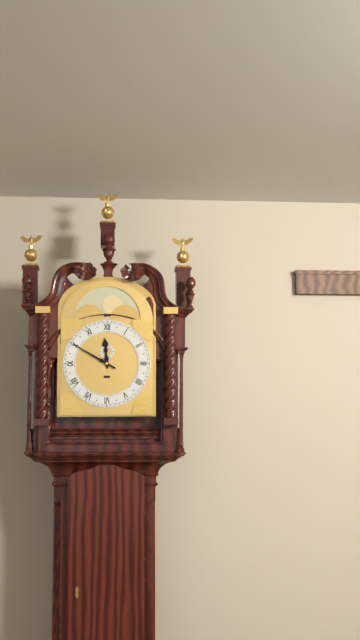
**11:50**
